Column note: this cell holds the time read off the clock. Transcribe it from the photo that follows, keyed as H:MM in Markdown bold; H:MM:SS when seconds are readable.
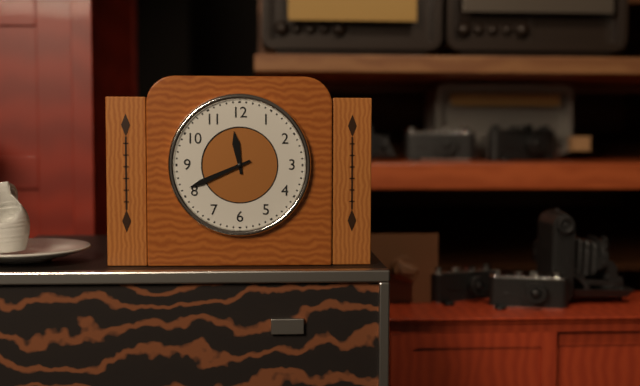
**11:41**
